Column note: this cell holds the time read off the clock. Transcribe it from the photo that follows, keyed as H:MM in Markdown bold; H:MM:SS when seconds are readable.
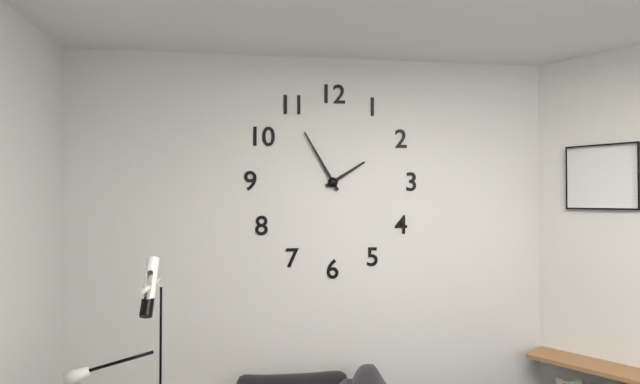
**1:55**
